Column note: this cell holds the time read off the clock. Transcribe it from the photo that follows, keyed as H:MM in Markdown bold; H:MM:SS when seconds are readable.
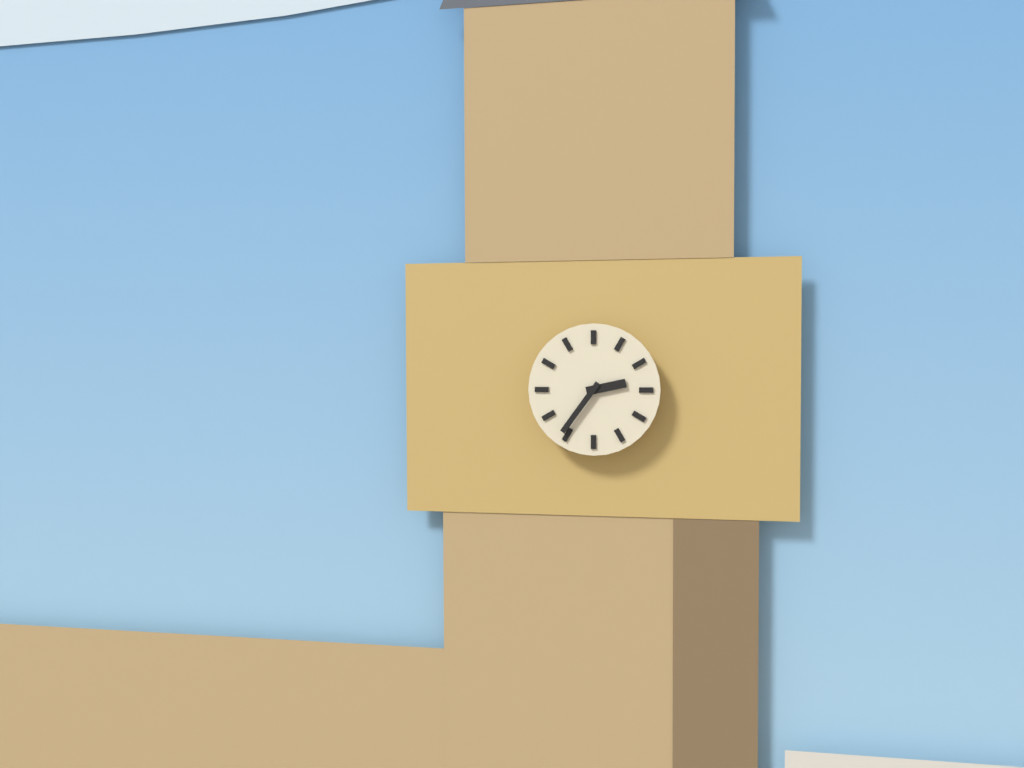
**2:36**
